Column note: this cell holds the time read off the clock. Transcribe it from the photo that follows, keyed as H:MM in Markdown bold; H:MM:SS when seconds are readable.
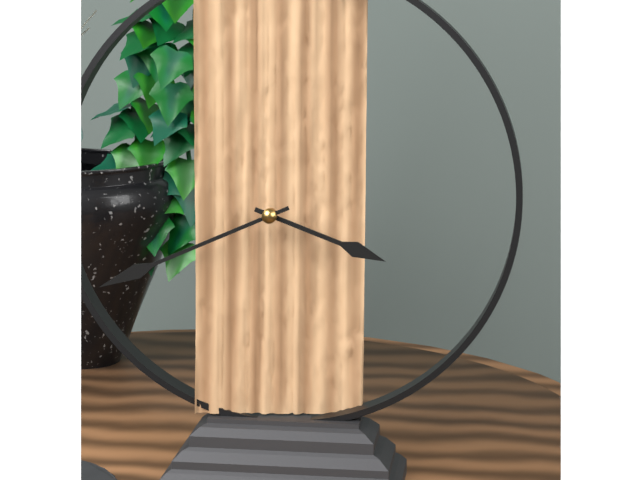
**3:41**
